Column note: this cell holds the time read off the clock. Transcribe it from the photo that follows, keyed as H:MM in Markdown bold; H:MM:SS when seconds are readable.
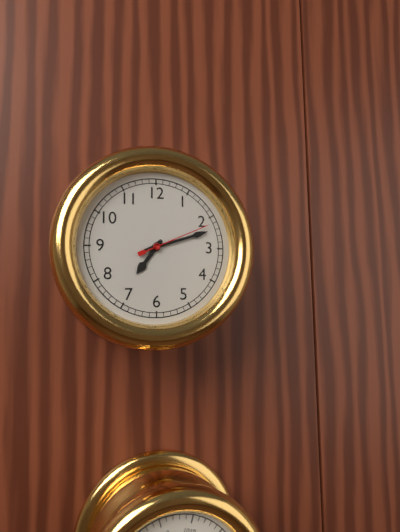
**7:12:11**
